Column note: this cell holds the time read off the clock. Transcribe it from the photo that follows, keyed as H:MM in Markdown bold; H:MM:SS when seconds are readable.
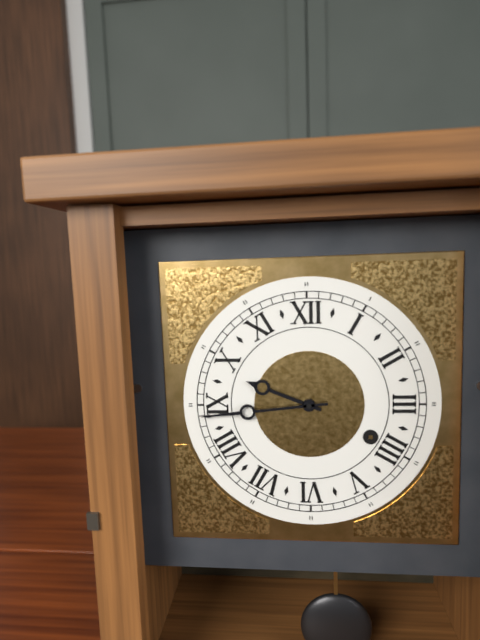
**9:44**
